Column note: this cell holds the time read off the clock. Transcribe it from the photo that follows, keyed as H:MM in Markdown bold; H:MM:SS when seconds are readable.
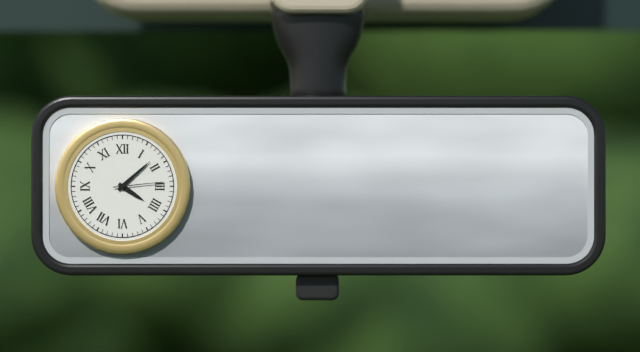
**4:08:14**
